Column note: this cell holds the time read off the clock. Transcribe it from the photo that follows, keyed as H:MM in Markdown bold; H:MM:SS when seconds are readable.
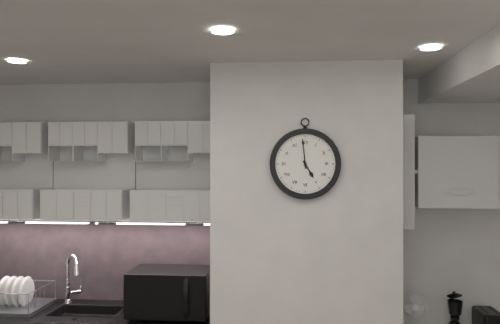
**4:59**
